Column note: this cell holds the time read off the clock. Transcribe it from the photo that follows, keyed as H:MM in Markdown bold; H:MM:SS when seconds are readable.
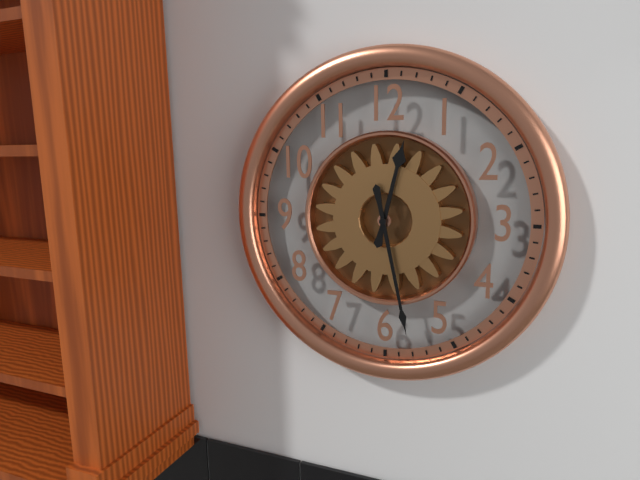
**12:28**
